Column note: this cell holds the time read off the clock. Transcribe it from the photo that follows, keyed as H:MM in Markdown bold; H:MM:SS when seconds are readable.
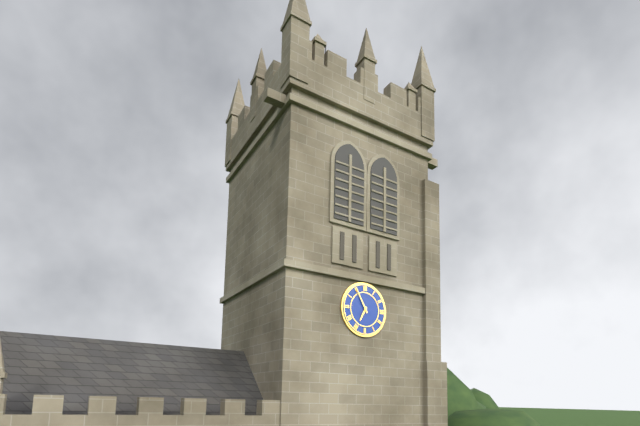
**6:55**
